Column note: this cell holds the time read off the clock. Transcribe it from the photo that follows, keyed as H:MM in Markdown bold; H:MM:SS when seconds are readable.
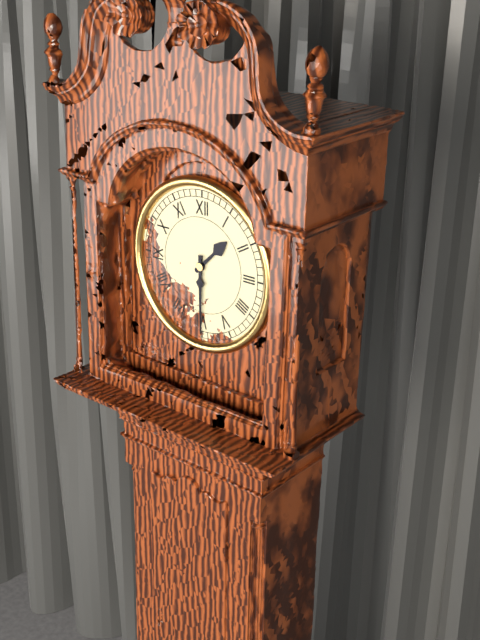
**1:30**
